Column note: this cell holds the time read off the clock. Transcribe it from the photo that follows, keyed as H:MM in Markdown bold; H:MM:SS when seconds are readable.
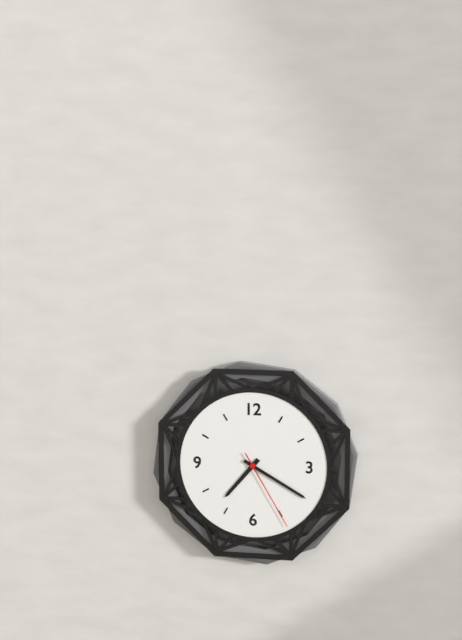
**7:20:25**
